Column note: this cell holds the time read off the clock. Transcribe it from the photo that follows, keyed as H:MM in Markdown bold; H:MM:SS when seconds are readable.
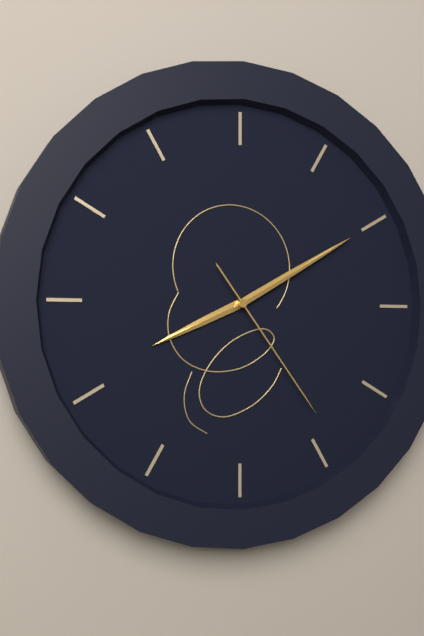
**8:10:24**
